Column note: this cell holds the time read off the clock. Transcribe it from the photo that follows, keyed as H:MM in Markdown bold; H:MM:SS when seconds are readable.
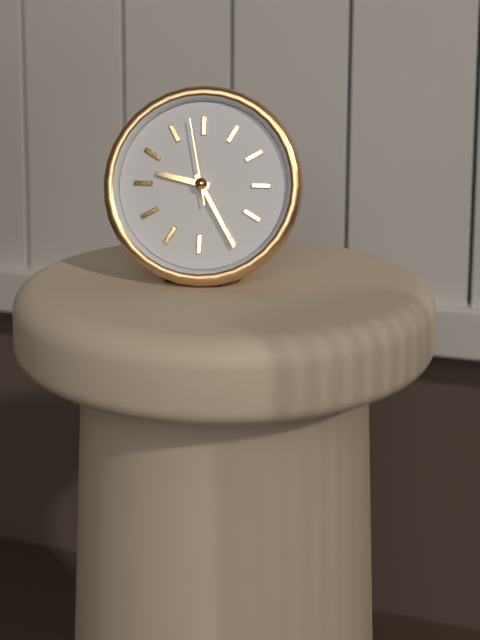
**9:25:58**
